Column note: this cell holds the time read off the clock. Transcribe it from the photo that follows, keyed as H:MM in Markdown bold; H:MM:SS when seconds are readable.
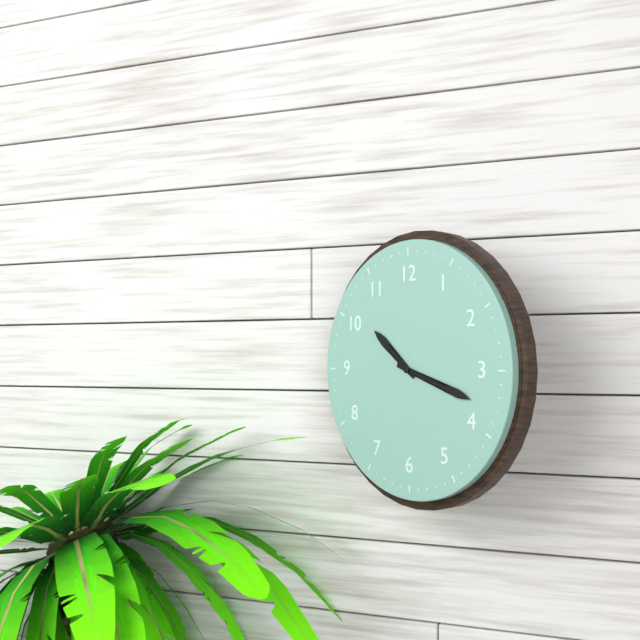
**10:18**
